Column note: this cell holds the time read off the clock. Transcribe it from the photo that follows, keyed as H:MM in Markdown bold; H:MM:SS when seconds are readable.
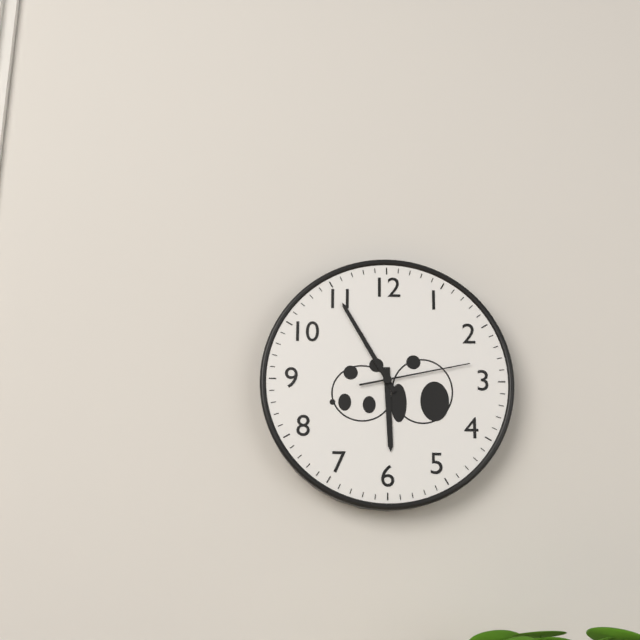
**5:55:13**
